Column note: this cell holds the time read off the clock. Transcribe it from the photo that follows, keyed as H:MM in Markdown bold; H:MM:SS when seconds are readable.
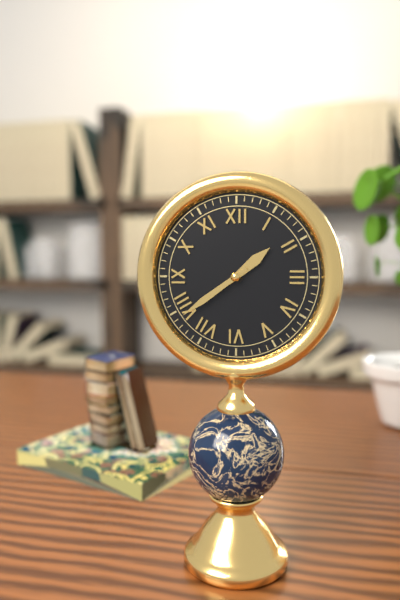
**1:39**
